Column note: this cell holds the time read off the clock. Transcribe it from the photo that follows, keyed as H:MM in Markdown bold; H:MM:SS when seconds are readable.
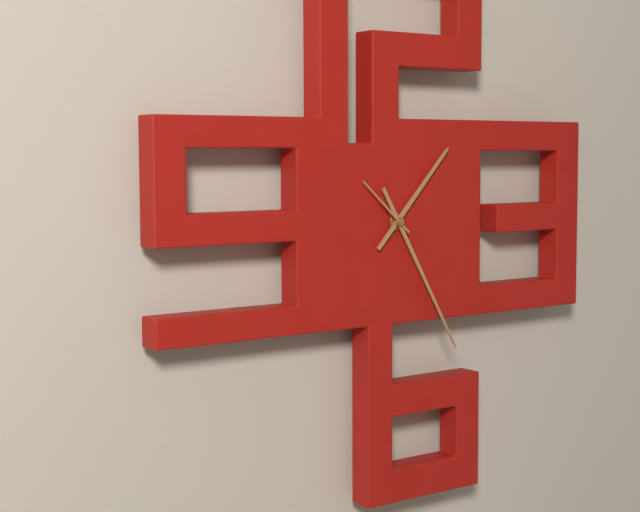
**1:25:52**
